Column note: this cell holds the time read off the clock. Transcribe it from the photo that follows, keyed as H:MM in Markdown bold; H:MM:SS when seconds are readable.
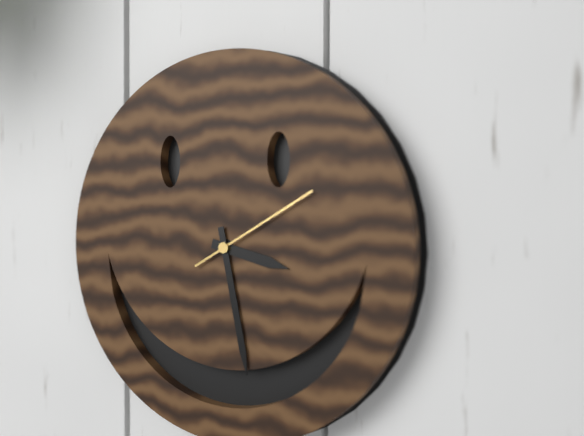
**3:28:10**
